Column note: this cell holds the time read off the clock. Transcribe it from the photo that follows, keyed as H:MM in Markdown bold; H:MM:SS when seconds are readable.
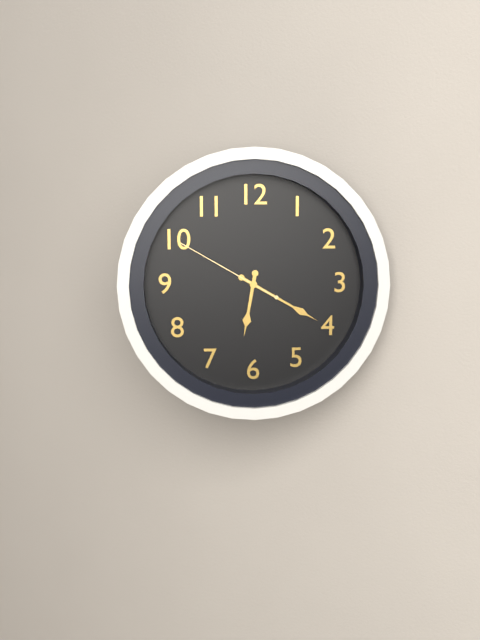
**6:20:50**
